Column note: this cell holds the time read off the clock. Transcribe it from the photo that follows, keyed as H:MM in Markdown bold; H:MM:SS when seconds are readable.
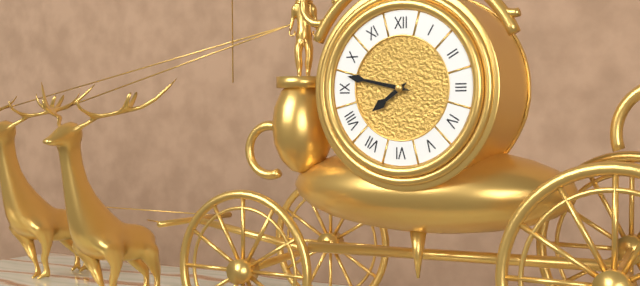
**7:47**
